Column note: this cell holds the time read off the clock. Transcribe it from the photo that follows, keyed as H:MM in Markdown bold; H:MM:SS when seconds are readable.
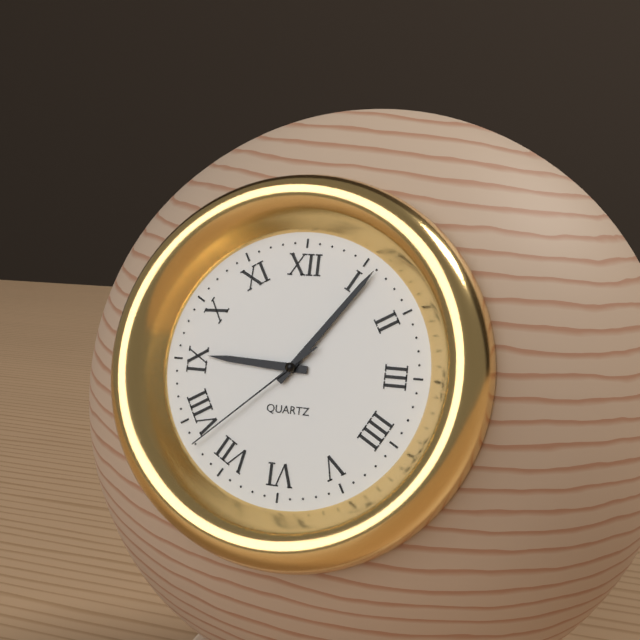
**9:06:38**
